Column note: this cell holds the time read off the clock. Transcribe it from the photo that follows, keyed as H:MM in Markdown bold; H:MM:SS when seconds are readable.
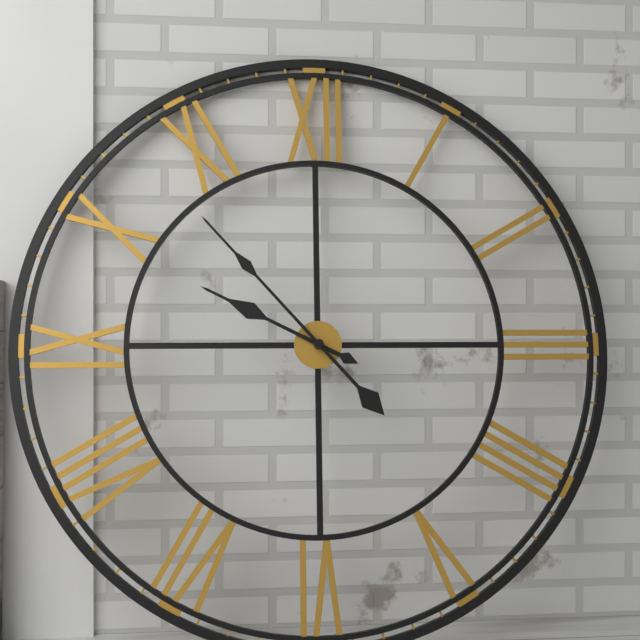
**9:53**
